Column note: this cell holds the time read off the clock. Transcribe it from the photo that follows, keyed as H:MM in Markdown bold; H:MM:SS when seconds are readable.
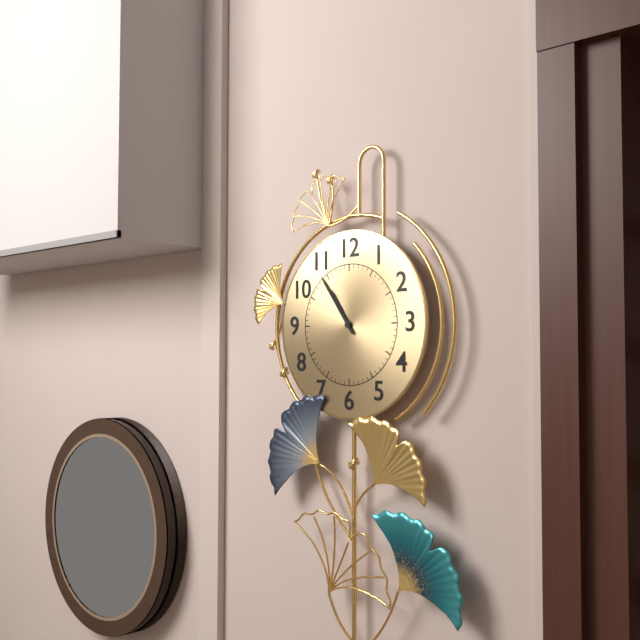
**10:54**
